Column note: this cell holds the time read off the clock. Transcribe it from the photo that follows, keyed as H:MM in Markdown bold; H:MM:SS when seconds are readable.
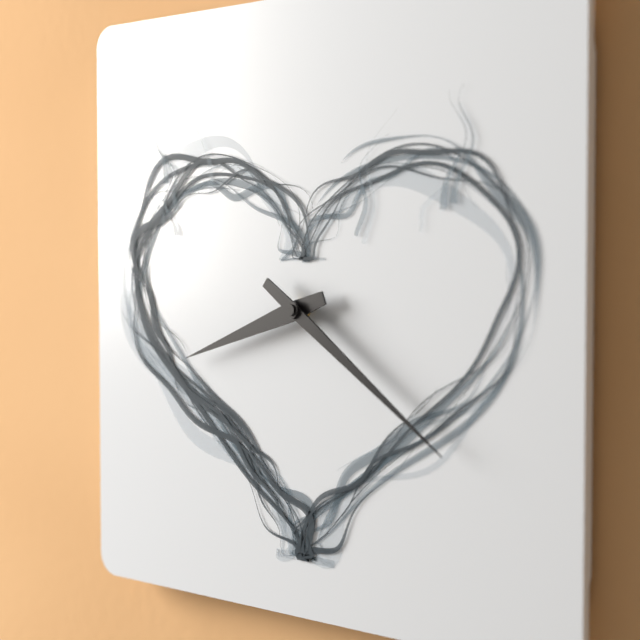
**8:21**
